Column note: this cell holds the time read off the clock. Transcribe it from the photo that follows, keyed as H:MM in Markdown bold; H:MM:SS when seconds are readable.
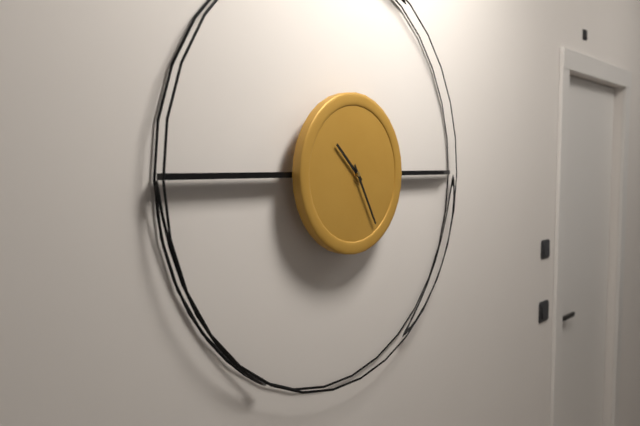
**10:25**
